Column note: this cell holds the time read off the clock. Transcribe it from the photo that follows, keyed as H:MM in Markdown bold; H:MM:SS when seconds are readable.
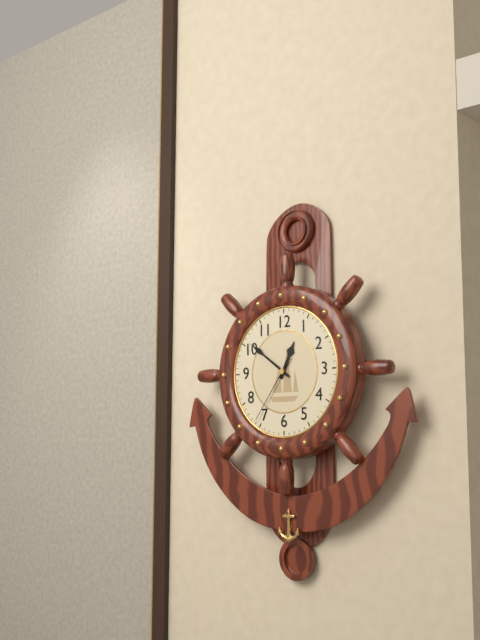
**12:51:36**
